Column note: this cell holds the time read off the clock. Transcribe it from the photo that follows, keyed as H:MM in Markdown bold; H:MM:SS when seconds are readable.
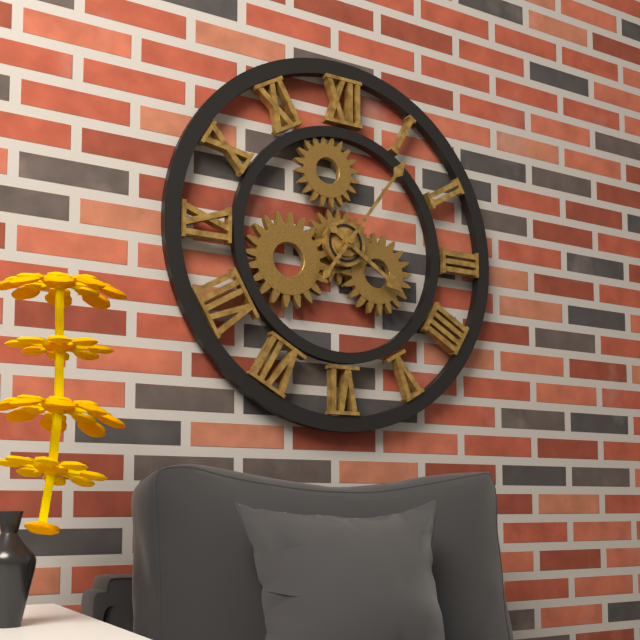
**4:06**
